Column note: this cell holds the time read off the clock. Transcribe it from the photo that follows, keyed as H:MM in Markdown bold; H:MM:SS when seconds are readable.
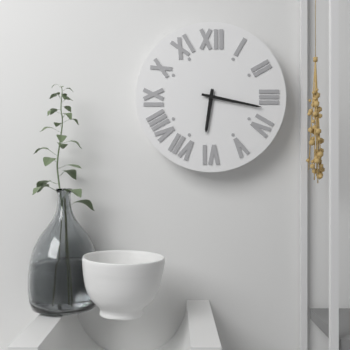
**6:17**
